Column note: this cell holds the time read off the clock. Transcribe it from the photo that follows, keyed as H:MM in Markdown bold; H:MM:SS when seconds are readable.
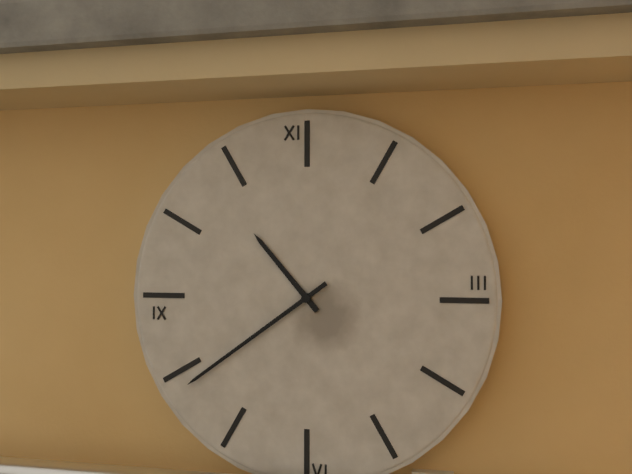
**10:39**
